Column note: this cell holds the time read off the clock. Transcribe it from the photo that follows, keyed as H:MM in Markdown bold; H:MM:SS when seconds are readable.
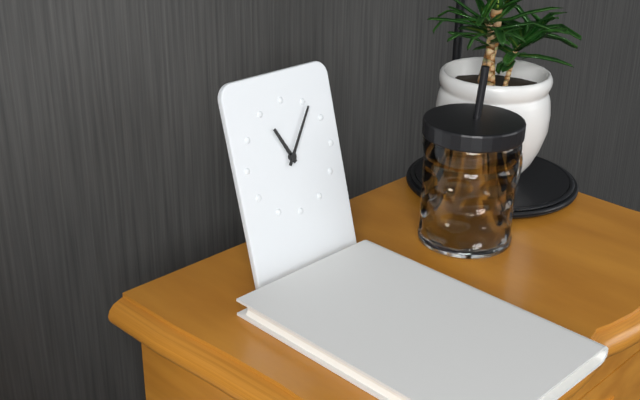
**11:06**
